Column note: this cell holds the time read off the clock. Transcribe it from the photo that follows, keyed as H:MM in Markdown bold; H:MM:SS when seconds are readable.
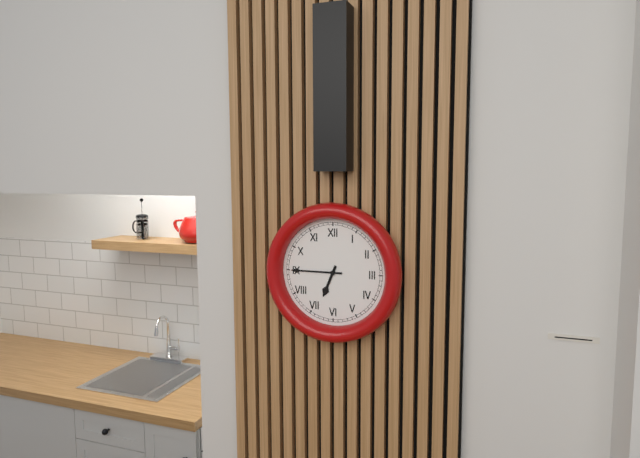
**6:45**
